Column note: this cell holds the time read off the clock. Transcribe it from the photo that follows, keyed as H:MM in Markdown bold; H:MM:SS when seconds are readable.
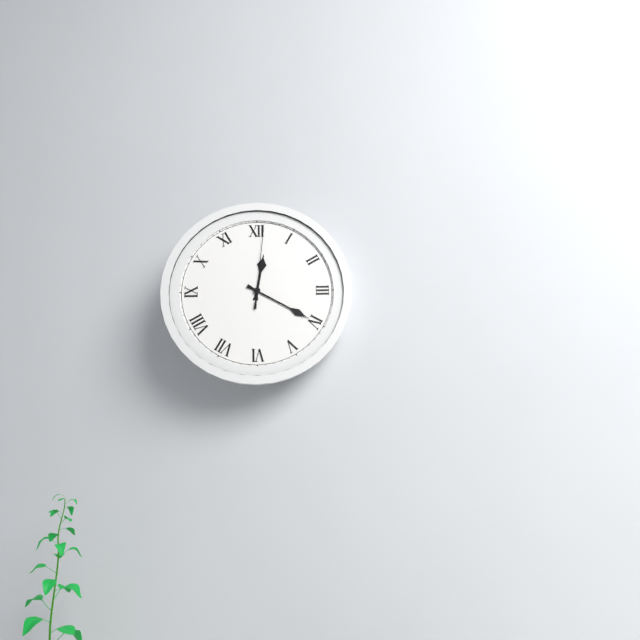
**12:20:01**
